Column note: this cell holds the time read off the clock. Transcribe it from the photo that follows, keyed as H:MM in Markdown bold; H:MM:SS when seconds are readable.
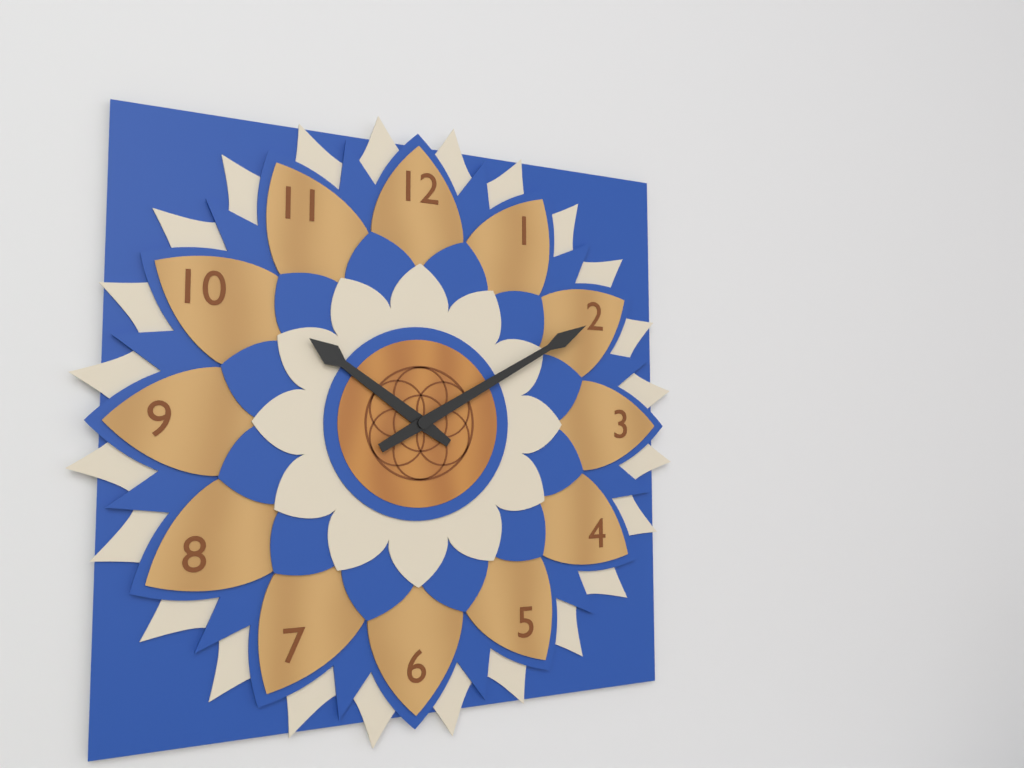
**10:10**
